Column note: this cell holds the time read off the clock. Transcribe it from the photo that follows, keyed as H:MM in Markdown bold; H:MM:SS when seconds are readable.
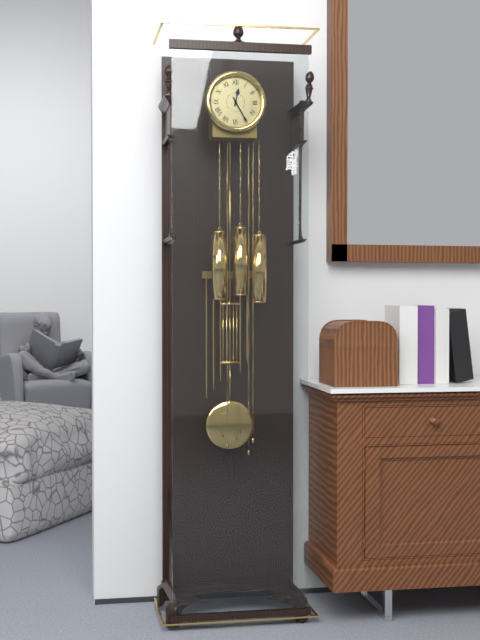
**12:25**
